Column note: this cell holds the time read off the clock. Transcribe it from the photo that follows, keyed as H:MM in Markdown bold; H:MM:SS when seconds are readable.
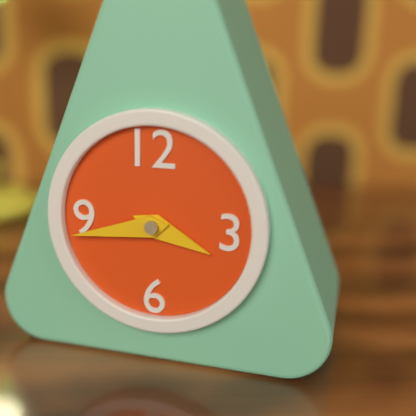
**3:43**
